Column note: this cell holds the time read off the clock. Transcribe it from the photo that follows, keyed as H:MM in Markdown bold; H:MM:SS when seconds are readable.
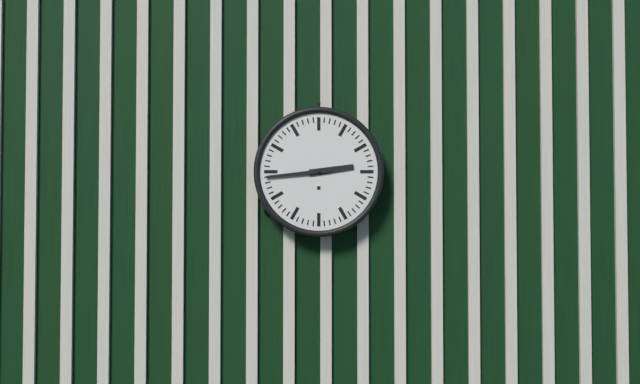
**2:44**
